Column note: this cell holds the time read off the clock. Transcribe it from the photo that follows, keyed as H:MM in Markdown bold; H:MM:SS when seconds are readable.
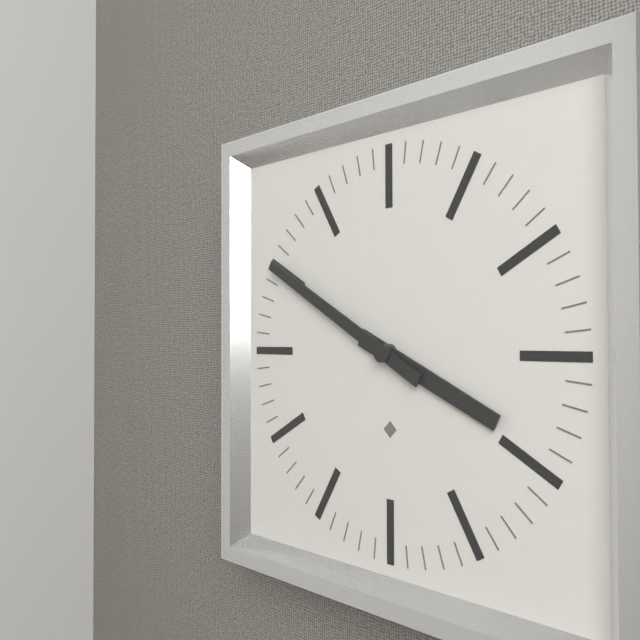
**3:50**
